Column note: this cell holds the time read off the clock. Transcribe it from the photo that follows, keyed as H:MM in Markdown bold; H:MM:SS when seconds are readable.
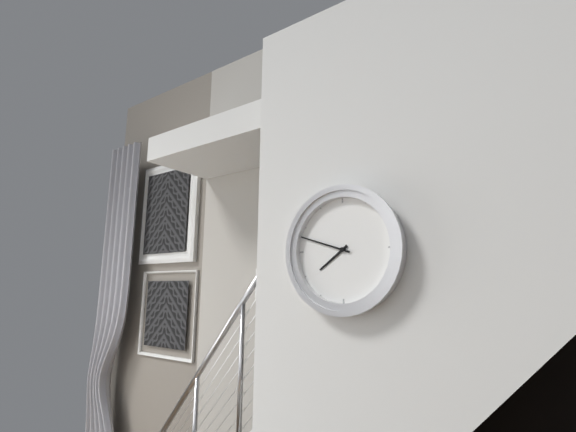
**7:48**
